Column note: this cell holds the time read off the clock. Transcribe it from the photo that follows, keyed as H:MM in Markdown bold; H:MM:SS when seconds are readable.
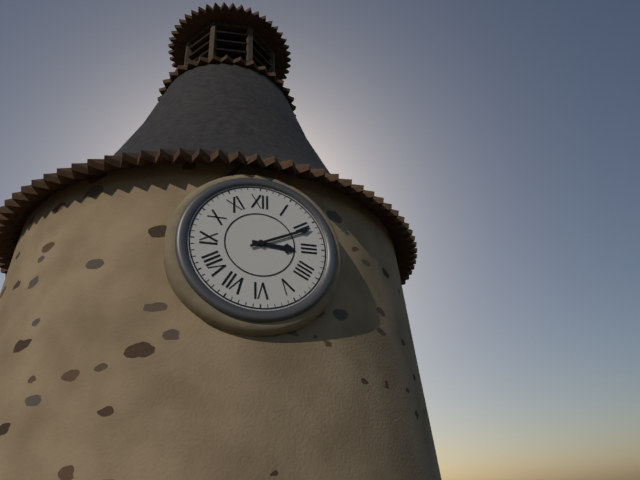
**3:11**
